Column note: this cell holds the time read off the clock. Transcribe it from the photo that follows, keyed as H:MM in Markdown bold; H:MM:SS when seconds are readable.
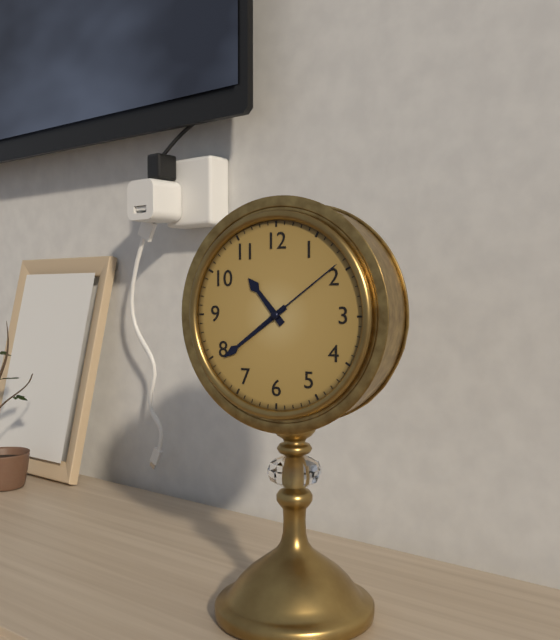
**10:39:09**
